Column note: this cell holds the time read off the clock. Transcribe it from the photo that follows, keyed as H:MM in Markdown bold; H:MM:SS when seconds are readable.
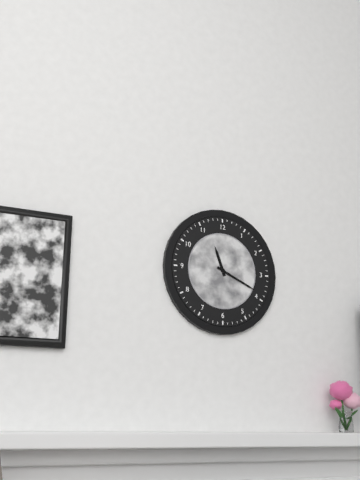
**11:19**
